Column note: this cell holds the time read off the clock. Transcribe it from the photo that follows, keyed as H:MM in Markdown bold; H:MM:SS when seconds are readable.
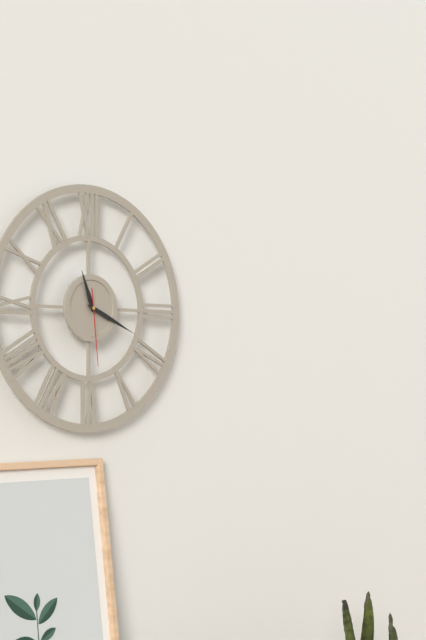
**11:19:29**
